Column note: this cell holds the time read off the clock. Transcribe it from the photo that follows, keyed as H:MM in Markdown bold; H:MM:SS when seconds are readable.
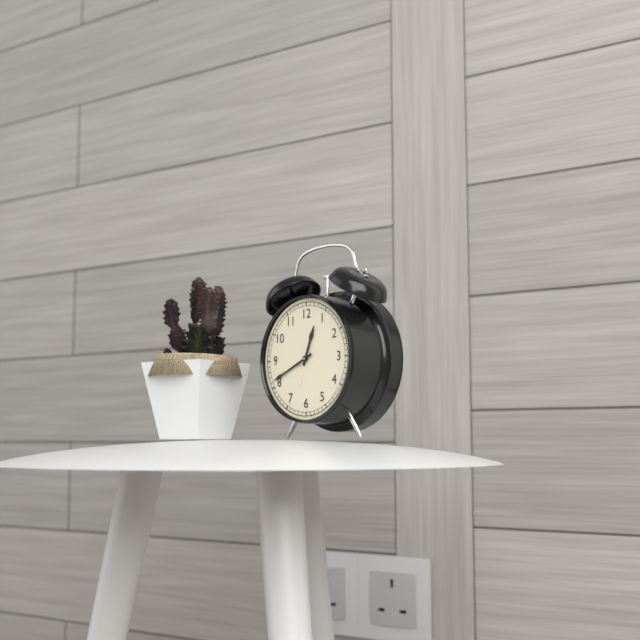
**12:41**
